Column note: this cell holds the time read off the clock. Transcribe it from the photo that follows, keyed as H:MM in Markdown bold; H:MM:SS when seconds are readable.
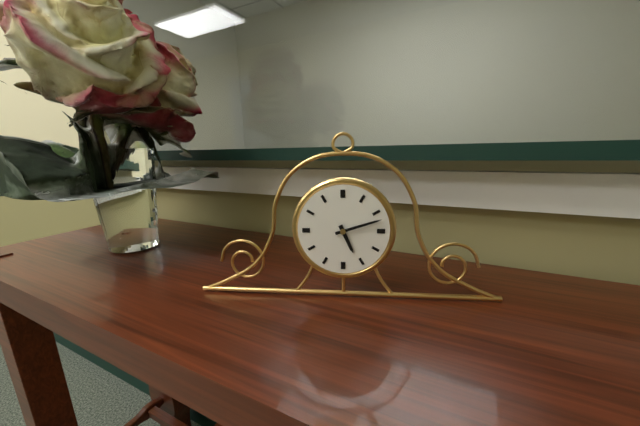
**5:12**
